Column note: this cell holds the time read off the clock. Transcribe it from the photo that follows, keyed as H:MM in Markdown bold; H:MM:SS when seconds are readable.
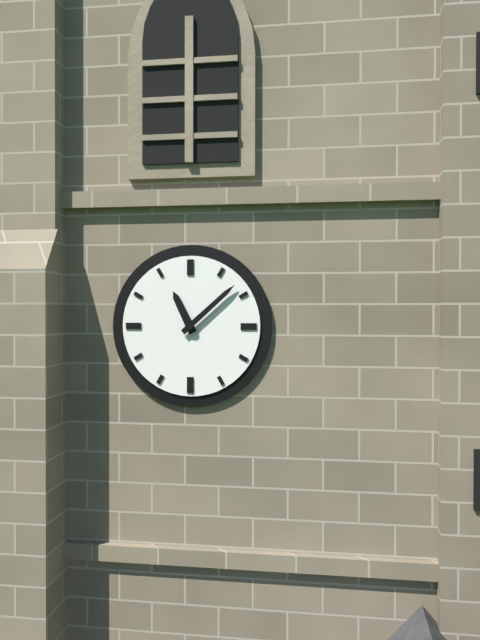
**11:08**
